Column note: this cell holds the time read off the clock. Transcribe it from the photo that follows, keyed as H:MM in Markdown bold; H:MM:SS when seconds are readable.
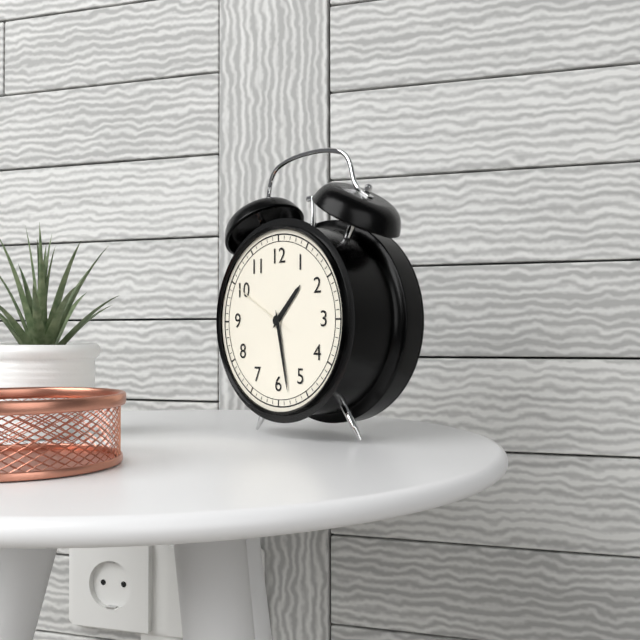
**1:28:50**
